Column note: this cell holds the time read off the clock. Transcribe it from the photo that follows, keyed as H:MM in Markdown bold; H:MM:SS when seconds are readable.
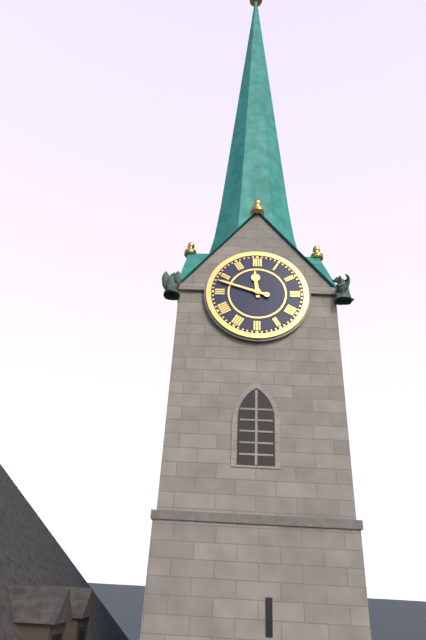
**11:48**
